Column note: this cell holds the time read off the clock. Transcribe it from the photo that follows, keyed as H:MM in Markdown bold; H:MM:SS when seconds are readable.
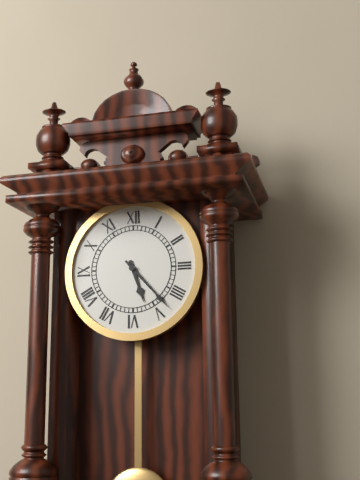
**5:23**
